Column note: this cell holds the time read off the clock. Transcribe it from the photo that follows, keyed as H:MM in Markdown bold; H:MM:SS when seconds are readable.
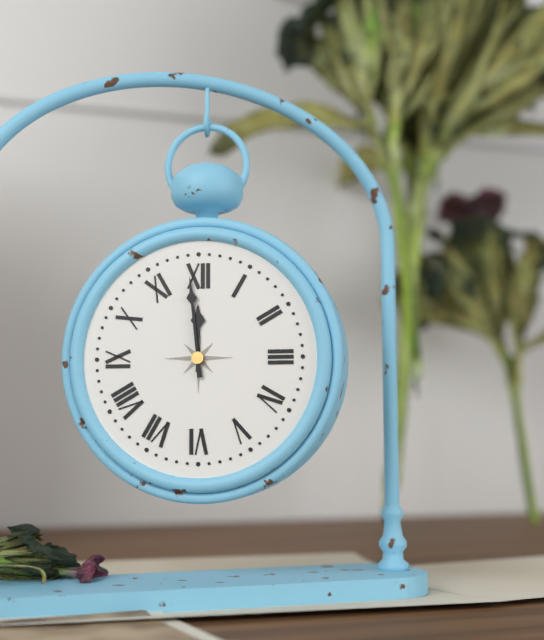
**11:59**
